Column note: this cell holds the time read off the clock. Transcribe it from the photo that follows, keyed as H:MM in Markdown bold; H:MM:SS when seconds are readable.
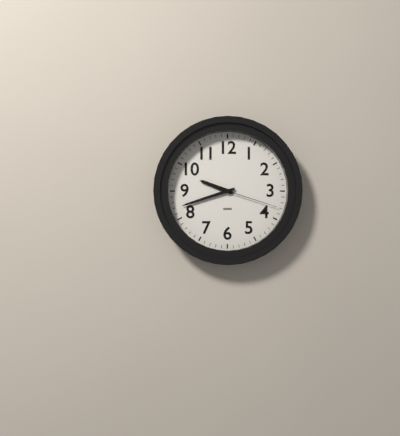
**9:42:18**
